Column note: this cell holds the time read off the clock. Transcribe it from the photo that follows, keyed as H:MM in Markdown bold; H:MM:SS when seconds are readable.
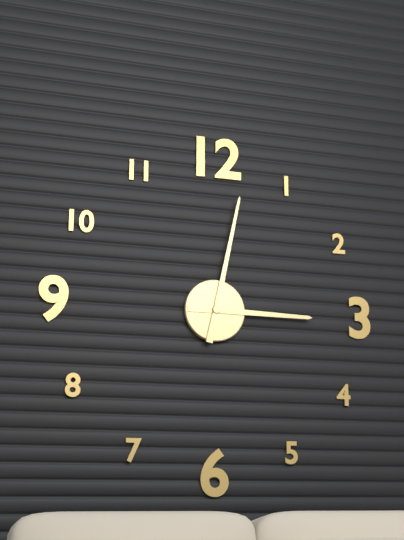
**3:02**
